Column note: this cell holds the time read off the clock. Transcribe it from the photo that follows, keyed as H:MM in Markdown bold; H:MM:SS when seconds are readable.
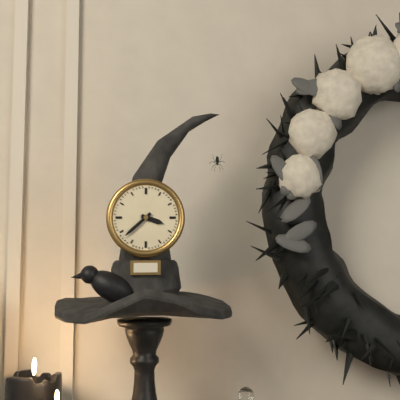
**3:38**
